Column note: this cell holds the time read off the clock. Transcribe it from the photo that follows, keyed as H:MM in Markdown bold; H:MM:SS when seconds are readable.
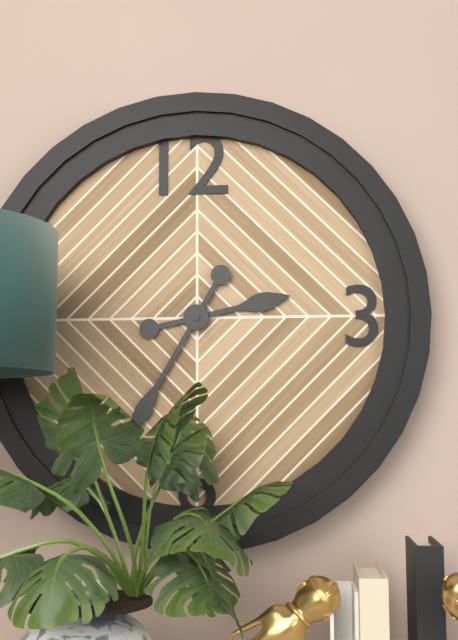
**2:35**
